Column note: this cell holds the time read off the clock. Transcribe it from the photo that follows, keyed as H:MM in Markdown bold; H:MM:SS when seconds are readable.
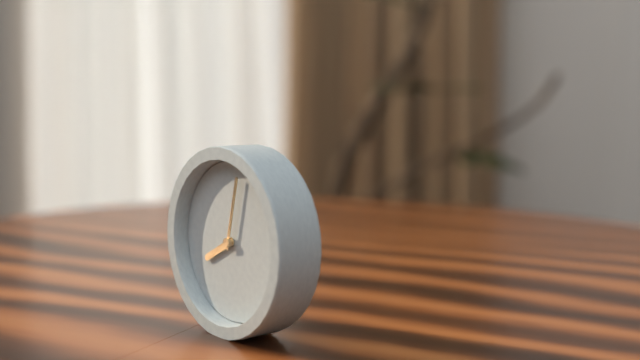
**8:02**
